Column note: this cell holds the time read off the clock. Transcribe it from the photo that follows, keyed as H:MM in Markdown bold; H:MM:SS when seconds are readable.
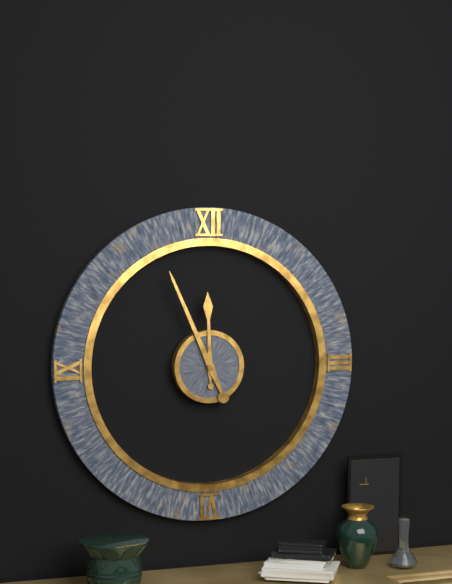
**11:56**
